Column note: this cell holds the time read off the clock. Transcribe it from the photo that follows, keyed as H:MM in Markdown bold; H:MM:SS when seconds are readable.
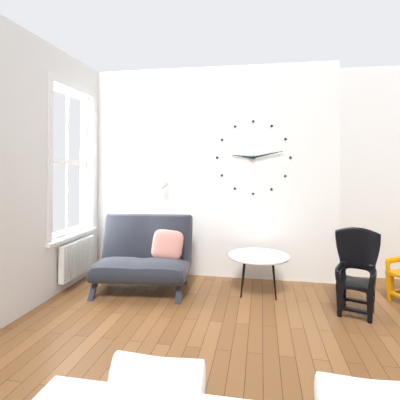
**9:13**
